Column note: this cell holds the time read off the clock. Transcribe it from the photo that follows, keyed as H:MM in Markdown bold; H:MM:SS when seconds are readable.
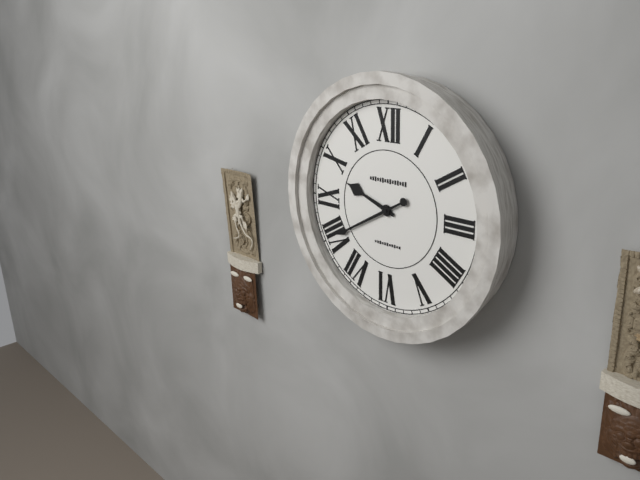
**9:40**
